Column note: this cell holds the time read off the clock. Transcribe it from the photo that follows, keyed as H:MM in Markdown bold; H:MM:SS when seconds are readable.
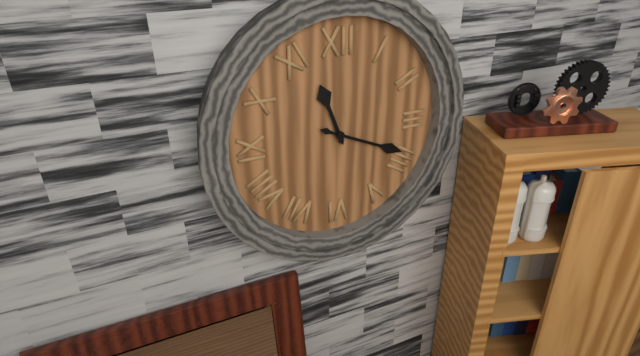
**11:19**
